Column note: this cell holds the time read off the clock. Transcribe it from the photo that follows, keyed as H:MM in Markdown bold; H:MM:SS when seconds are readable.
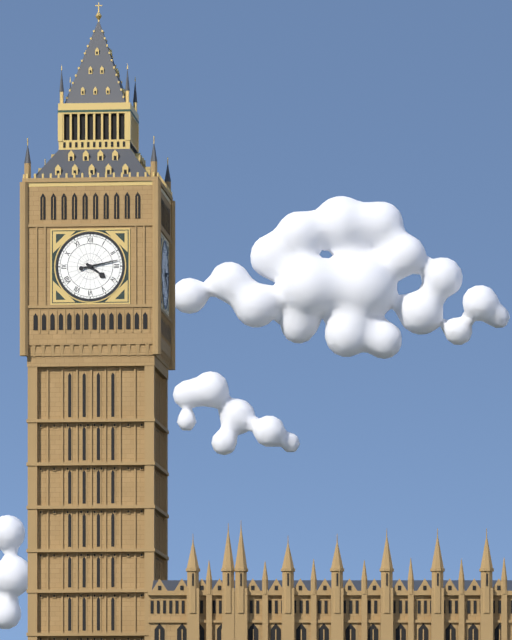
**4:13**
